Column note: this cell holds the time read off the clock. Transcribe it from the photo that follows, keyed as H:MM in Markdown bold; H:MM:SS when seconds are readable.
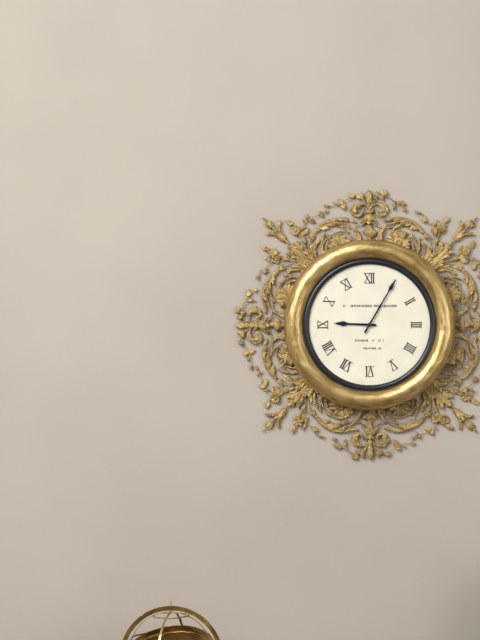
**9:05**
